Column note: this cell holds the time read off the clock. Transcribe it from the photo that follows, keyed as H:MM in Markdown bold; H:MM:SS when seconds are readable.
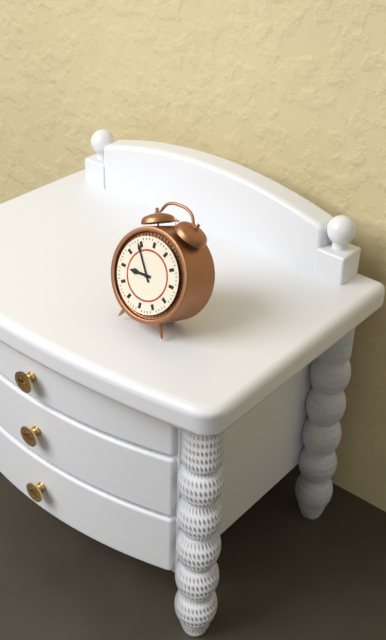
**8:54**
